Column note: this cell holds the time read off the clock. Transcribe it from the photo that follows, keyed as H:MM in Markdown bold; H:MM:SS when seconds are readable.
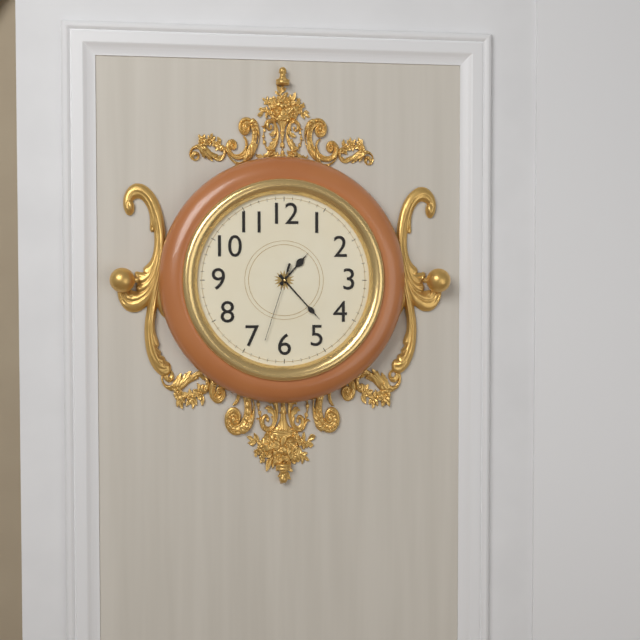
**1:23:33**
